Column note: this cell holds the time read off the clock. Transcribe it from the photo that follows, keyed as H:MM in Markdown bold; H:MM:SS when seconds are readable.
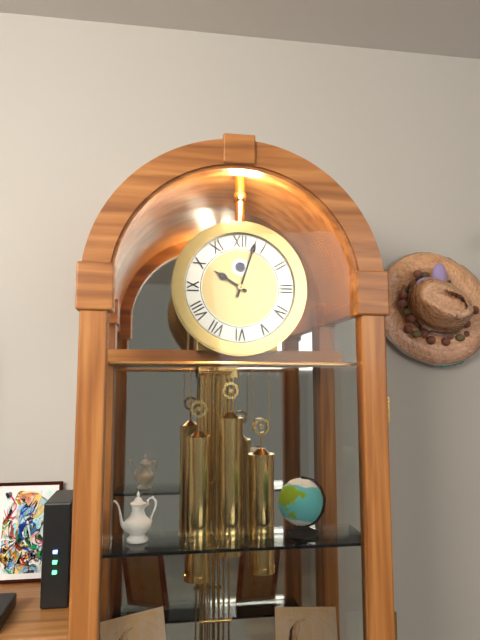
**10:03**
